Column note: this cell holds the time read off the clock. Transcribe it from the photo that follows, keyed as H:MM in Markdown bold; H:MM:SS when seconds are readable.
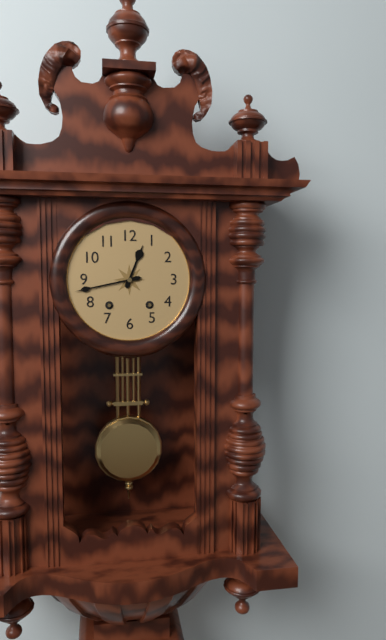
**12:43**
